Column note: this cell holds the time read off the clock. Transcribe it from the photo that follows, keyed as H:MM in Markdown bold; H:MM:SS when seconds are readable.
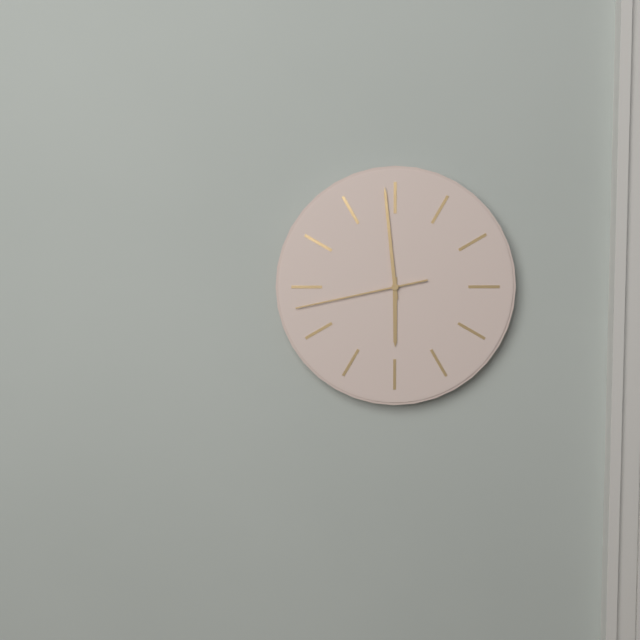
**5:59:43**
